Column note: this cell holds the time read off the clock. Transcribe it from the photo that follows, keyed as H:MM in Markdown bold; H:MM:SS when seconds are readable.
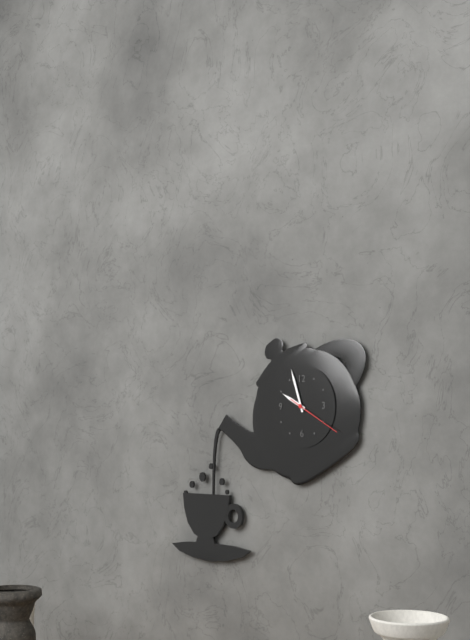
**9:57:20**
